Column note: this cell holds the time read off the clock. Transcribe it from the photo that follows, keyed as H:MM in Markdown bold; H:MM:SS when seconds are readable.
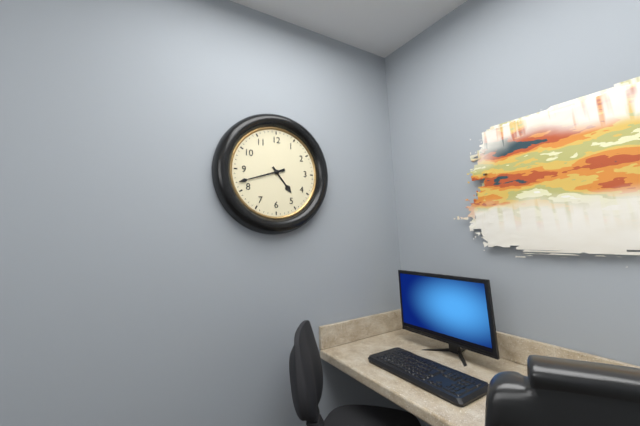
**4:42**
